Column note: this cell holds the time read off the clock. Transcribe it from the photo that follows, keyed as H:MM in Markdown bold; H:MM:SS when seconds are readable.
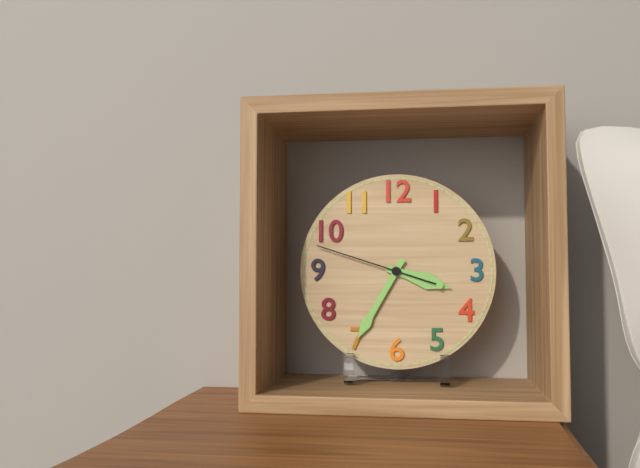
**3:35:48**
